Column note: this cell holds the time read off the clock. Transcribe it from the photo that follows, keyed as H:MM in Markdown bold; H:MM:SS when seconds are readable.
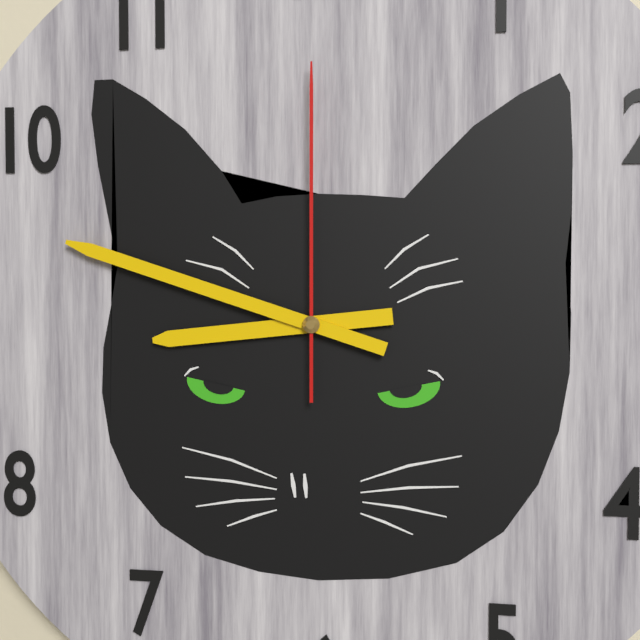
**8:48:00**
